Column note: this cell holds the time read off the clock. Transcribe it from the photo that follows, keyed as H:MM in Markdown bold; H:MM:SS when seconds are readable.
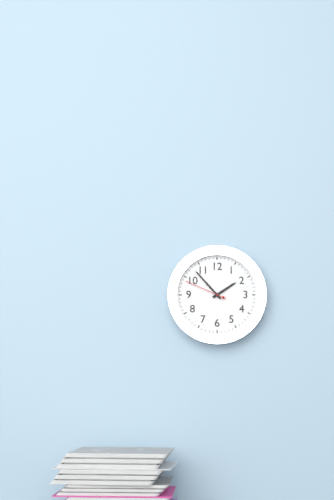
**1:53**
